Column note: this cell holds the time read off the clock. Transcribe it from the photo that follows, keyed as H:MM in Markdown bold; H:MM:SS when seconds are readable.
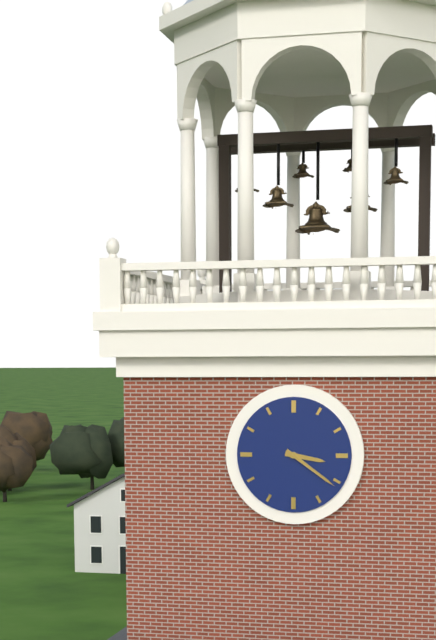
**3:21**
